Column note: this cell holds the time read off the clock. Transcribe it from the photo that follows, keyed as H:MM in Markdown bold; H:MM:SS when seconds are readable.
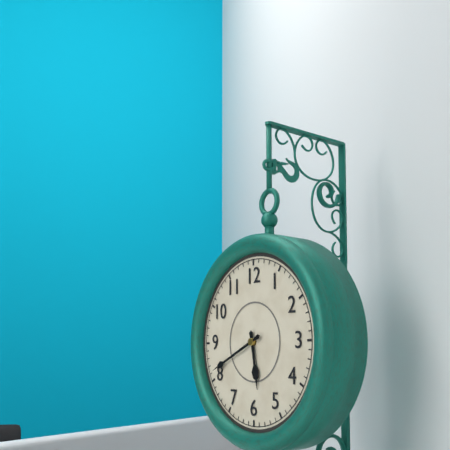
**5:41**
